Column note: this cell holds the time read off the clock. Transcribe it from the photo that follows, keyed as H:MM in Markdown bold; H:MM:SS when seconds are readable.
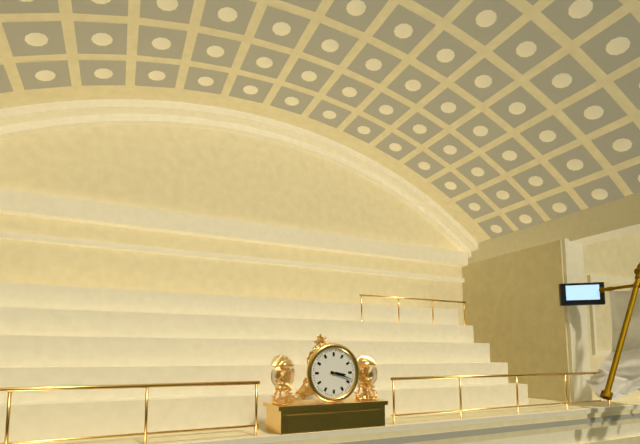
**3:18**
